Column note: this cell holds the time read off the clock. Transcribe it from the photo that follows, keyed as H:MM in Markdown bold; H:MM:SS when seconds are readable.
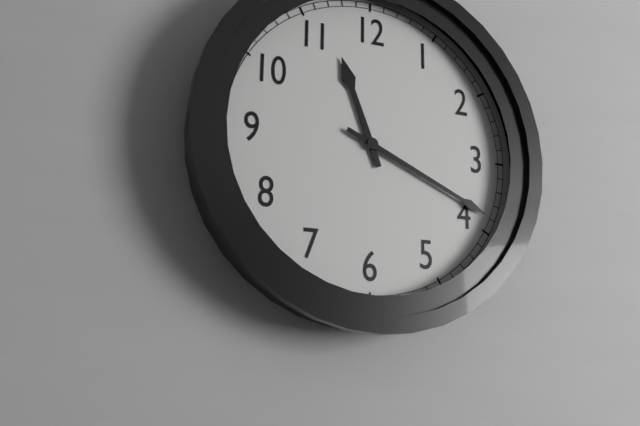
**11:19**
